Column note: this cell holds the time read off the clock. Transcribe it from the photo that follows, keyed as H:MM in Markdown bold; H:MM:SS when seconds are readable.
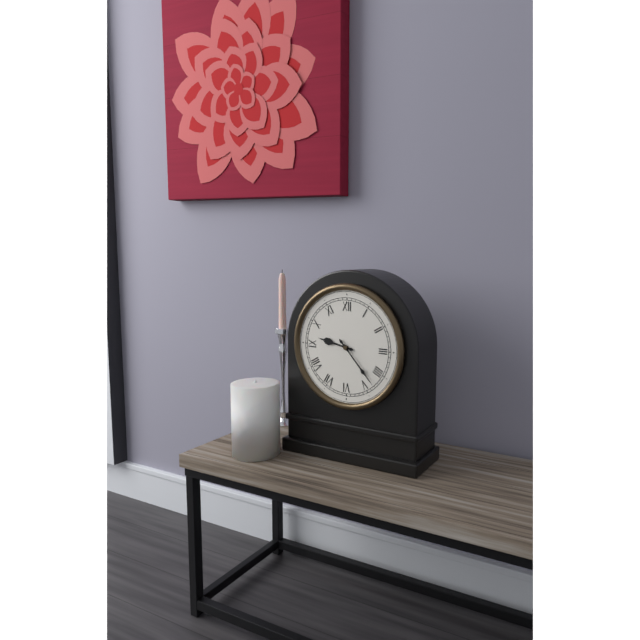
**9:23**
